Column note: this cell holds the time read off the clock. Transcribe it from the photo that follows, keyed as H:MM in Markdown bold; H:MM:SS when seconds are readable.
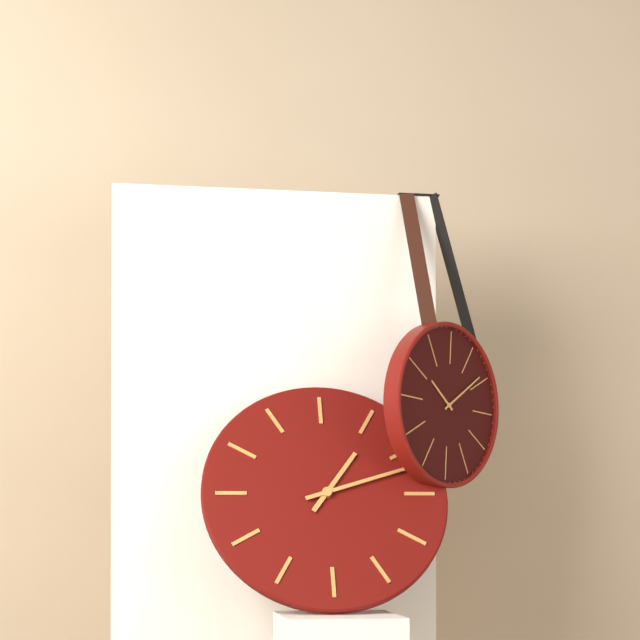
**1:12**
